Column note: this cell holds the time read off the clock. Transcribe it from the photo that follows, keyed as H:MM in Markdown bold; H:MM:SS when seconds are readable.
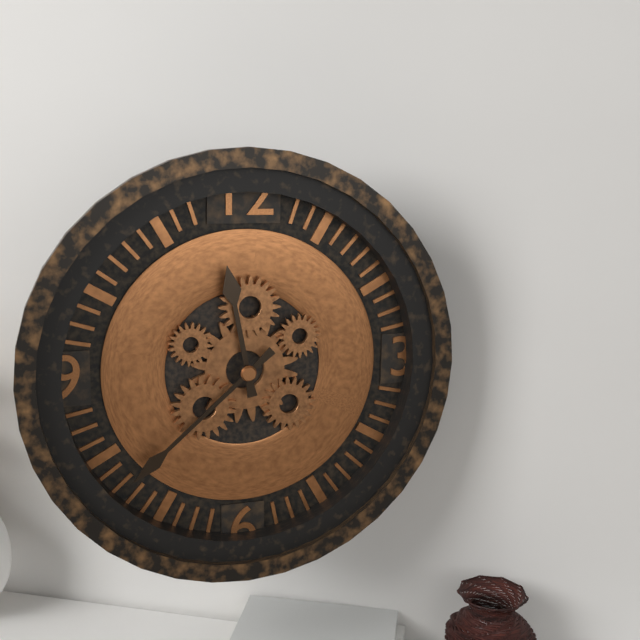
**11:38**
